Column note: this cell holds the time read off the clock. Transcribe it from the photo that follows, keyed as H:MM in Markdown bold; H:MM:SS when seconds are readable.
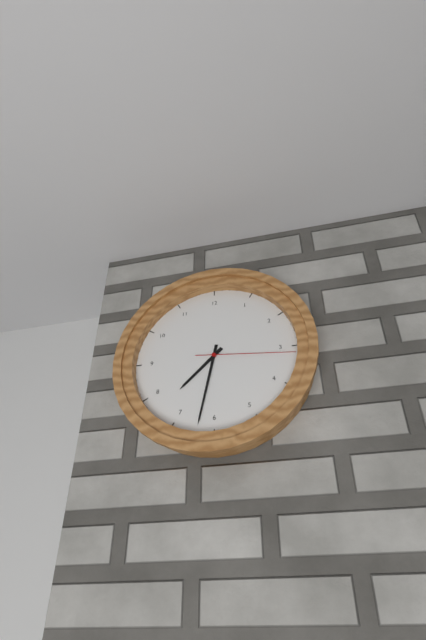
**7:32:16**
